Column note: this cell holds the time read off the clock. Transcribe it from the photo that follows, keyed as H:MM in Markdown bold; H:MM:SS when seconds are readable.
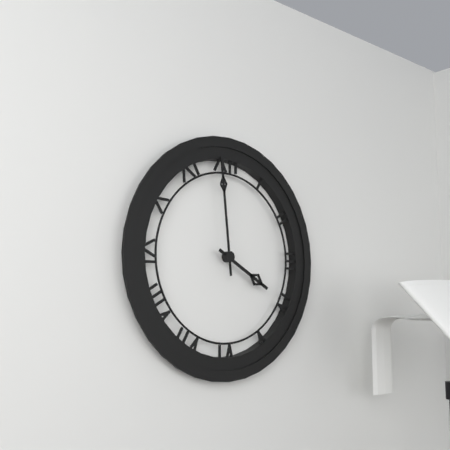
**3:59**
